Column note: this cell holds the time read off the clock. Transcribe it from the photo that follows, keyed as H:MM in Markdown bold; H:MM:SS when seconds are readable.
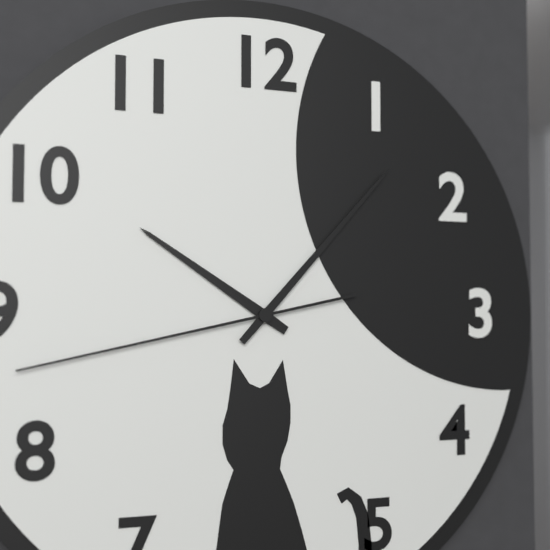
**10:07:43**
